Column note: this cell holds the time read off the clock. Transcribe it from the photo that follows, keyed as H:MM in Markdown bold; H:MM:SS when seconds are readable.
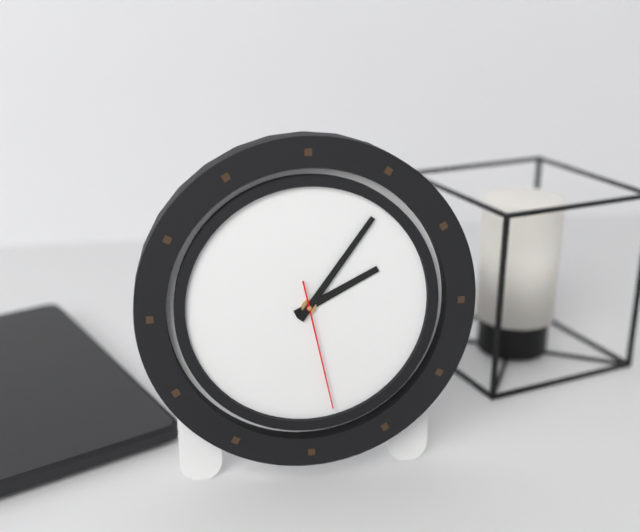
**2:06:28**
